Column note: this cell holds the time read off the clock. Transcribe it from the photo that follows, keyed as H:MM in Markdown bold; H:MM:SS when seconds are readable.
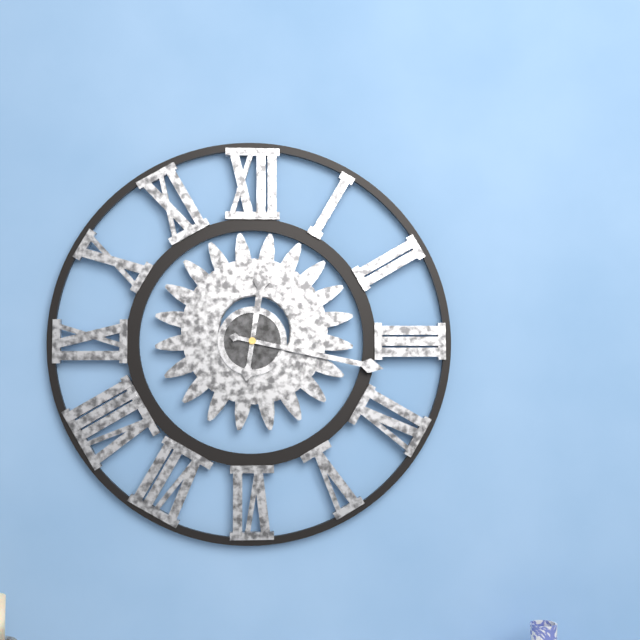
**12:17**
